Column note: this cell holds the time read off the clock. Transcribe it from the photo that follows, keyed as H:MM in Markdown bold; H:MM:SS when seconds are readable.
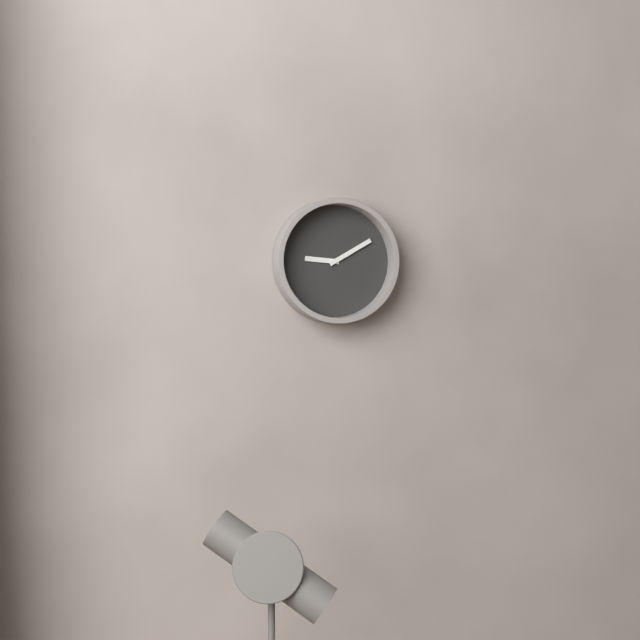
**9:10**
